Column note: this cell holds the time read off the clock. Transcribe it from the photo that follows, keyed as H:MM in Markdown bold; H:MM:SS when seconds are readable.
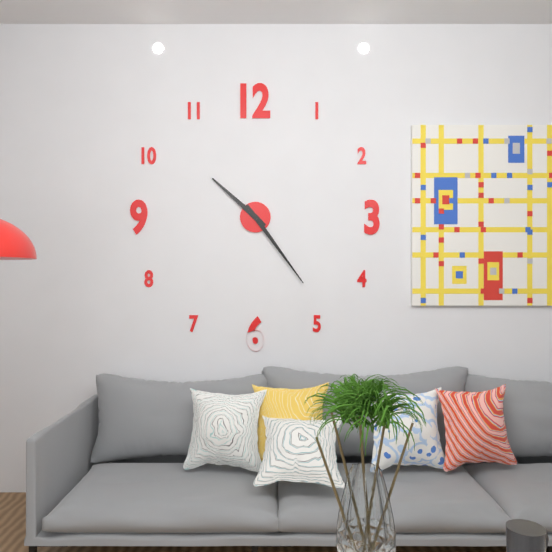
**10:24**
